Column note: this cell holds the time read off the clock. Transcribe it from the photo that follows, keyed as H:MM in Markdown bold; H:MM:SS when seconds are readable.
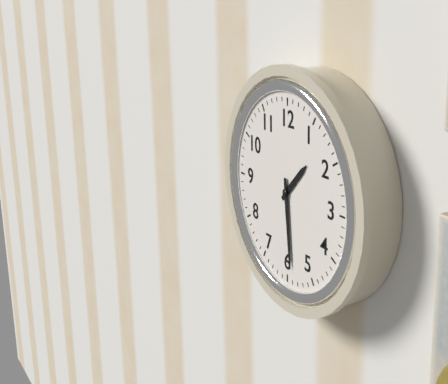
**1:29**
